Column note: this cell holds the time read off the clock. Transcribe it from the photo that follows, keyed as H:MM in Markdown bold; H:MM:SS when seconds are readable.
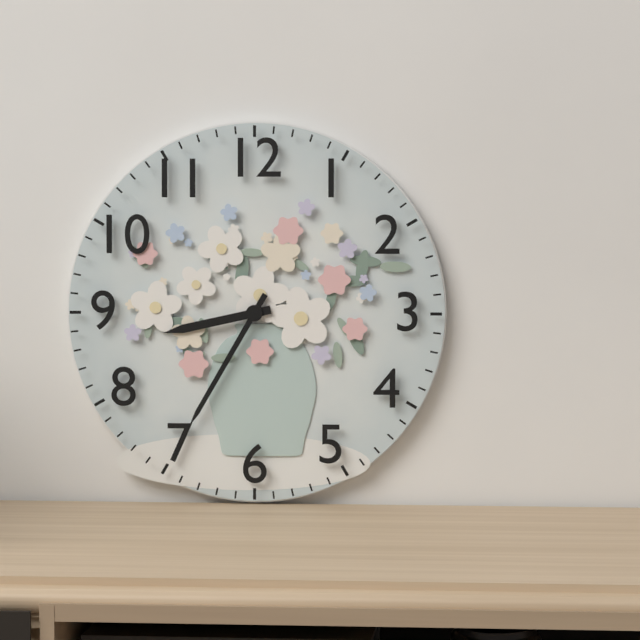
**8:35**
